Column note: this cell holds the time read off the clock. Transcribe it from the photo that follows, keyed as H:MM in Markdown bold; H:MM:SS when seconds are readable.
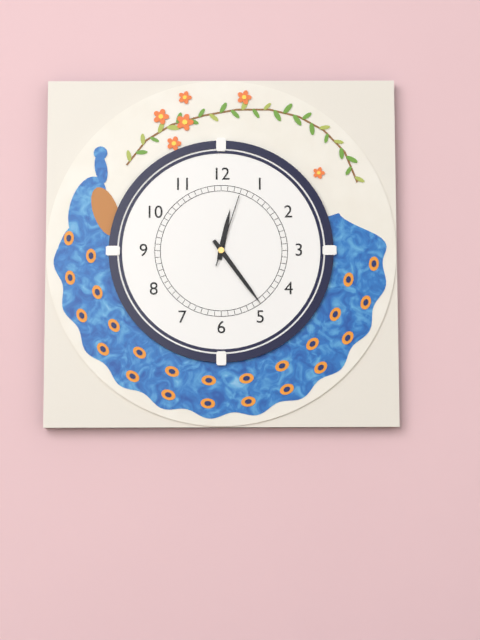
**12:24:03**
